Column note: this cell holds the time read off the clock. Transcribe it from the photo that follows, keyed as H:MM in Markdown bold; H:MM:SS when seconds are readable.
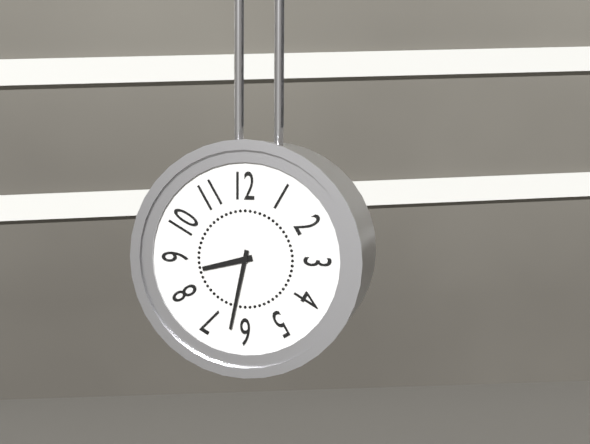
**8:32**
